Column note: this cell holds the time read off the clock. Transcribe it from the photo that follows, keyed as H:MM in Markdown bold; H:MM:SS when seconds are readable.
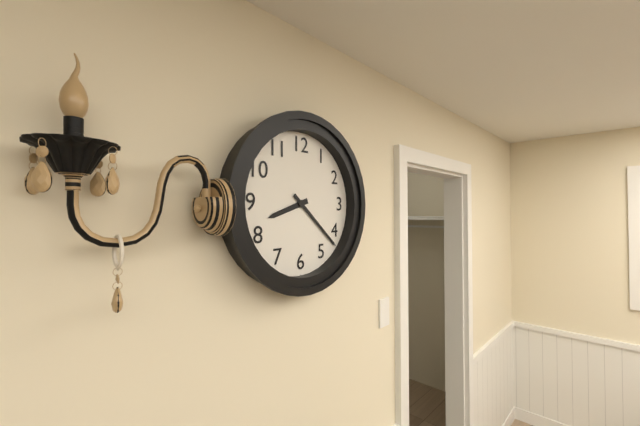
**8:22**
